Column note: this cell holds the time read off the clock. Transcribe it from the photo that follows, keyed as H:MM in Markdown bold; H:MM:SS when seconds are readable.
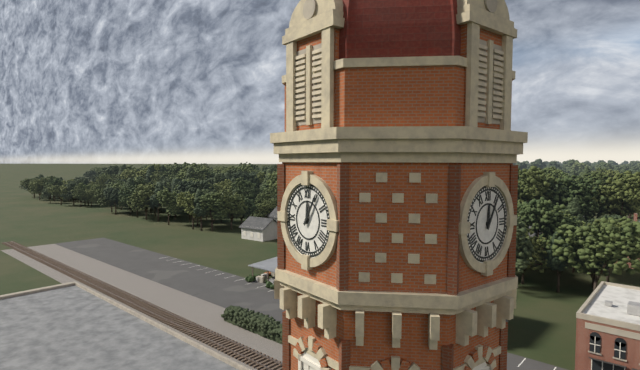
**12:05**
